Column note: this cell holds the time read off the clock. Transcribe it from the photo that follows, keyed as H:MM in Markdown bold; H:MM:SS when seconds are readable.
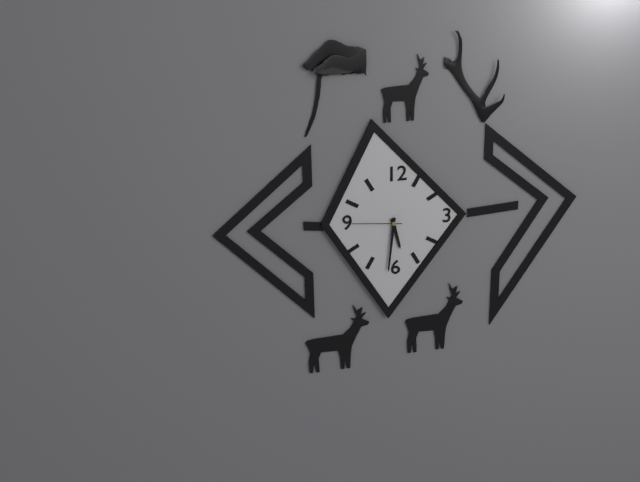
**5:31**
